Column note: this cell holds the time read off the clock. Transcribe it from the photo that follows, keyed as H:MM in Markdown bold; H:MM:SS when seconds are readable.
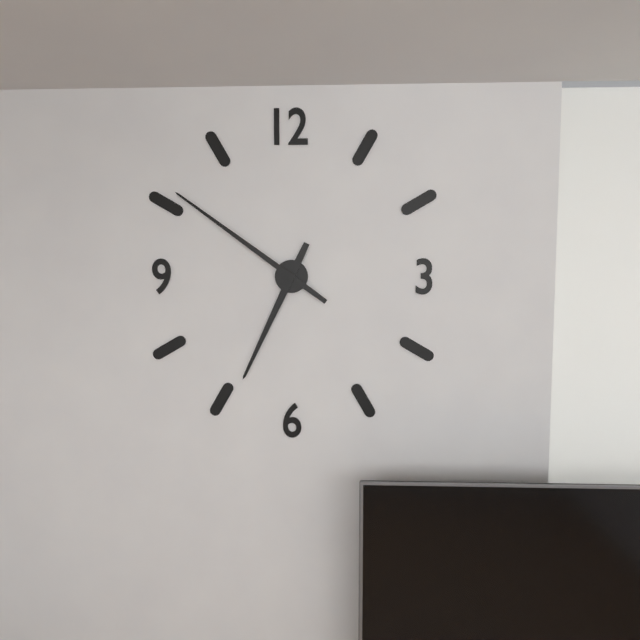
**6:51**
